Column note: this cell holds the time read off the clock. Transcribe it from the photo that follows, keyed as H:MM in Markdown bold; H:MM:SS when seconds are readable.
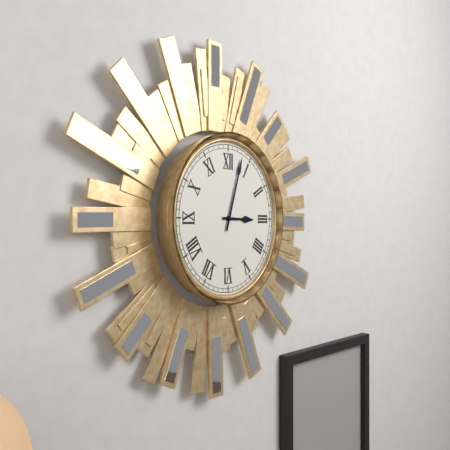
**3:03**
